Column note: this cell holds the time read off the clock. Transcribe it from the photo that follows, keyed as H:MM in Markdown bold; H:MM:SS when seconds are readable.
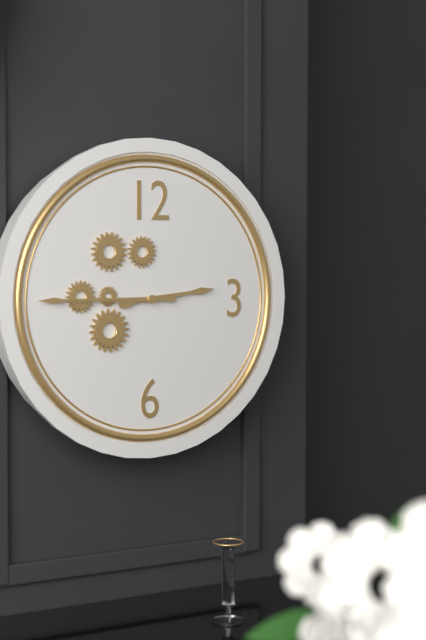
**2:45**
